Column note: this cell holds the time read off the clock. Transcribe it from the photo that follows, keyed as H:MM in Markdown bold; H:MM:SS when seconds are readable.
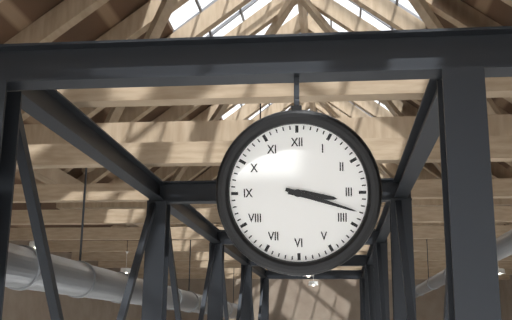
**3:18**
